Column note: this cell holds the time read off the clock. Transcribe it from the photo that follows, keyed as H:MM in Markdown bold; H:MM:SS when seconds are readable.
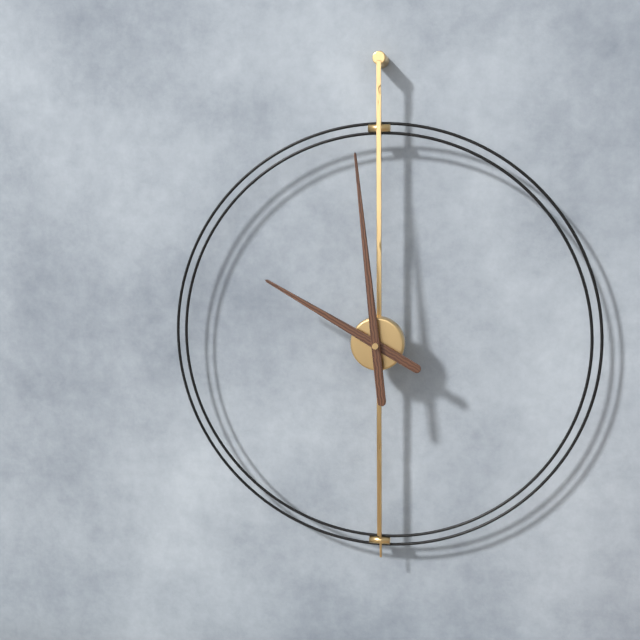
**9:59**
